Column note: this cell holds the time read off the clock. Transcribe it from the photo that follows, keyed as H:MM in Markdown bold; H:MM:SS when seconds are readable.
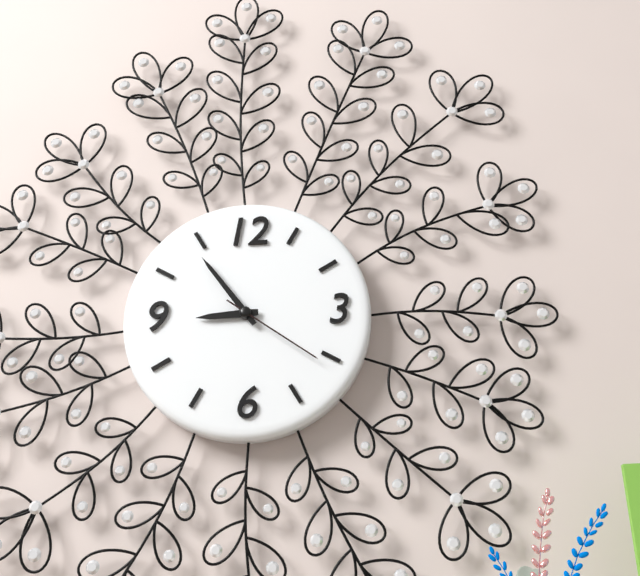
**8:54:21**
